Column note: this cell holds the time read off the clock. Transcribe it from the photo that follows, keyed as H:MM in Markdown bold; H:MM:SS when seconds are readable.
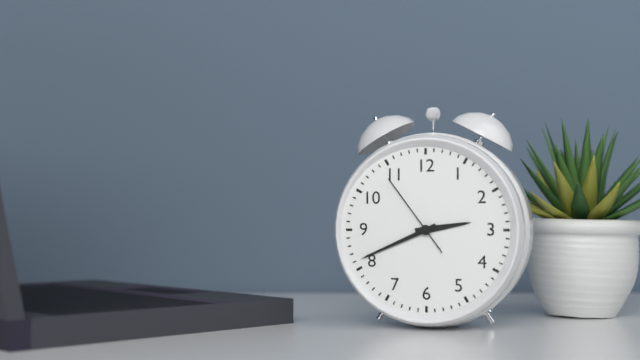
**2:41:54**
